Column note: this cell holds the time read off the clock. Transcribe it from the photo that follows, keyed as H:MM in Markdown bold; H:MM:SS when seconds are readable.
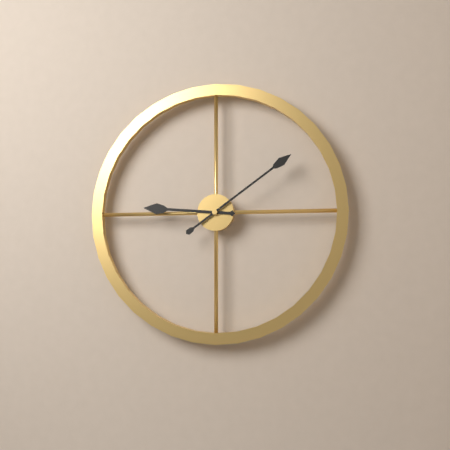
**9:09**
